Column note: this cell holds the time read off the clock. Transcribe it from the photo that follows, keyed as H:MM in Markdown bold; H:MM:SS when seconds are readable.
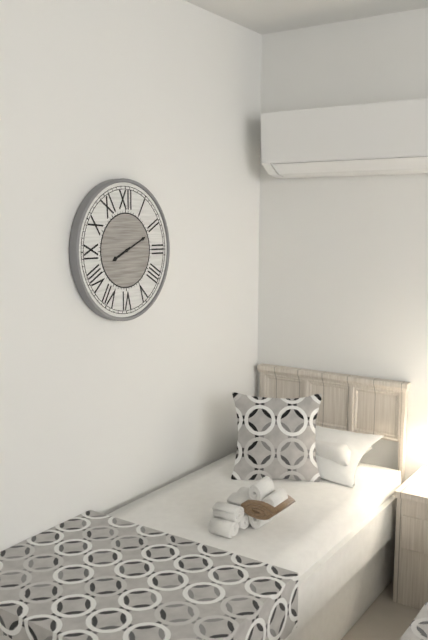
**8:11**
